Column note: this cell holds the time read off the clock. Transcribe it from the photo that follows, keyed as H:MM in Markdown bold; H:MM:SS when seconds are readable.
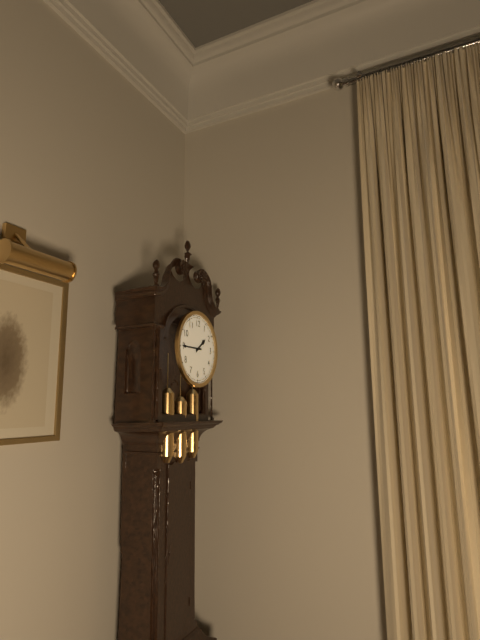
**1:45**
